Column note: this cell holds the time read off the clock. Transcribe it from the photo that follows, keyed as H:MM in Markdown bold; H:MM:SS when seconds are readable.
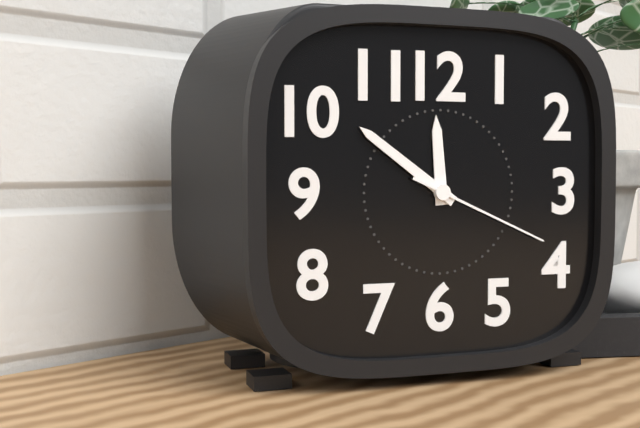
**11:51:19**
